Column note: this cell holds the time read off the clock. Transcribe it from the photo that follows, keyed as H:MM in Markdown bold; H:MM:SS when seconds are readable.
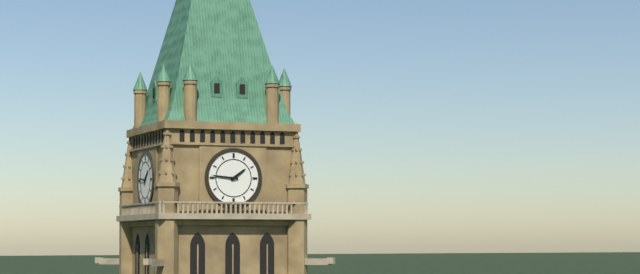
**1:46**
